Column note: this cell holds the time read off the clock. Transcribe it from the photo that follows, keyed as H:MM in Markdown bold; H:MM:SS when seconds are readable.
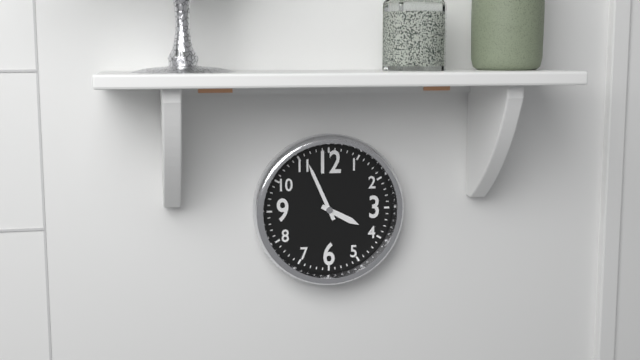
**3:56**
